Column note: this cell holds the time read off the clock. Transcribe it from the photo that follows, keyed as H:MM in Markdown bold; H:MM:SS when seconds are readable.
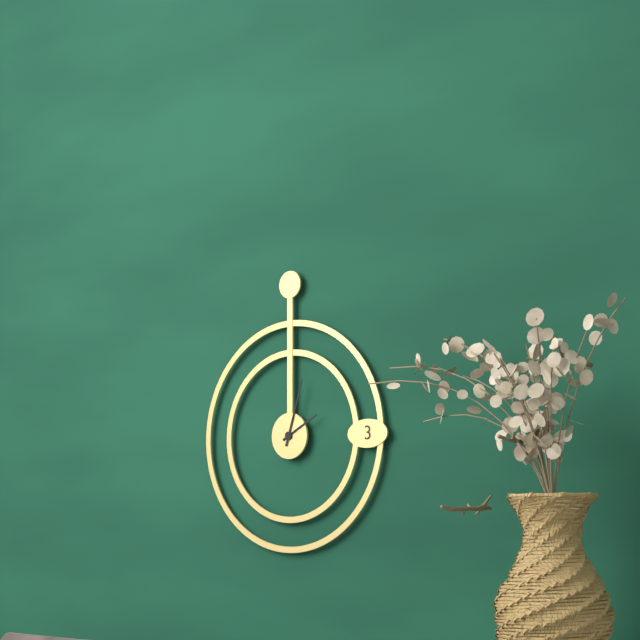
**2:03**
